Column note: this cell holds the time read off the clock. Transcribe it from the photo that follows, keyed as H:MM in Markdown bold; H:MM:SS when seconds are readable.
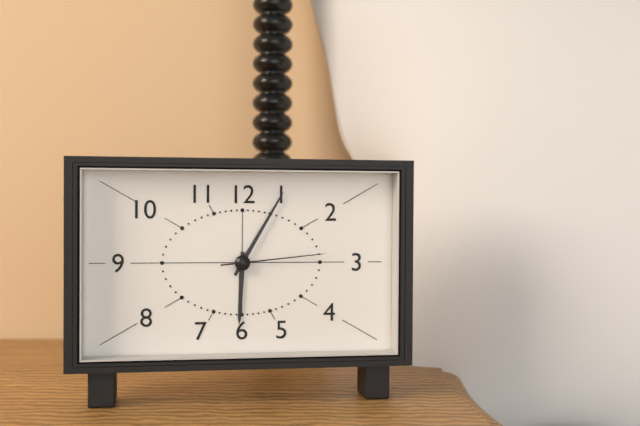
**6:05:14**
